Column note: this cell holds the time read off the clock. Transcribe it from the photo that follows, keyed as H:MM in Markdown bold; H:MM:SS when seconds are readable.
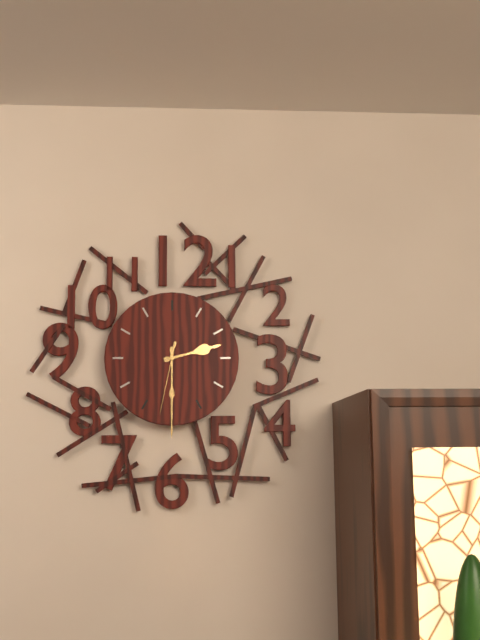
**2:30:32**
